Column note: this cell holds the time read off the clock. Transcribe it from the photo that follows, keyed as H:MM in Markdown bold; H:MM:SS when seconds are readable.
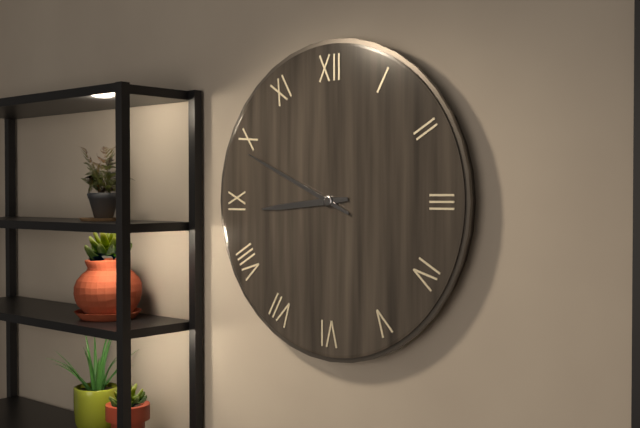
**8:49**
